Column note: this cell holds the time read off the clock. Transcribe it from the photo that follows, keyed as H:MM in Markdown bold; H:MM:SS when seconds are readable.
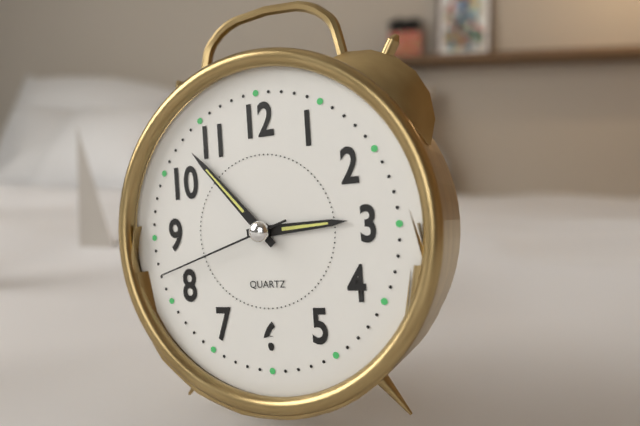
**2:53:42**
